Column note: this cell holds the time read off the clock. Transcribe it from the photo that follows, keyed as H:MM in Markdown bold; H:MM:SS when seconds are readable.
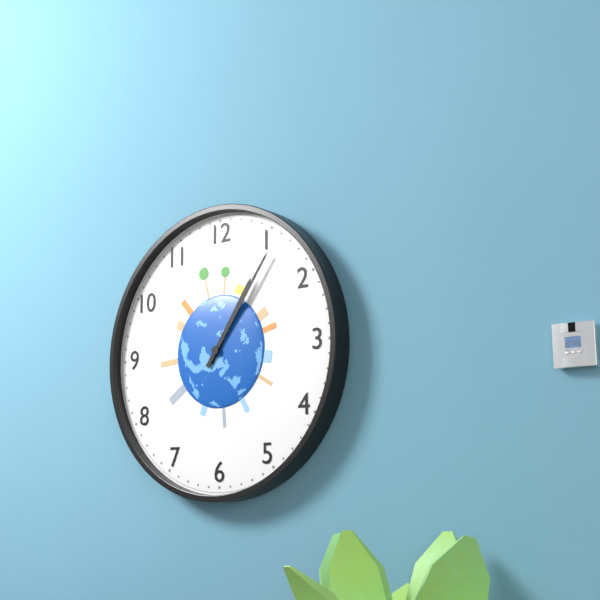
**1:06**
